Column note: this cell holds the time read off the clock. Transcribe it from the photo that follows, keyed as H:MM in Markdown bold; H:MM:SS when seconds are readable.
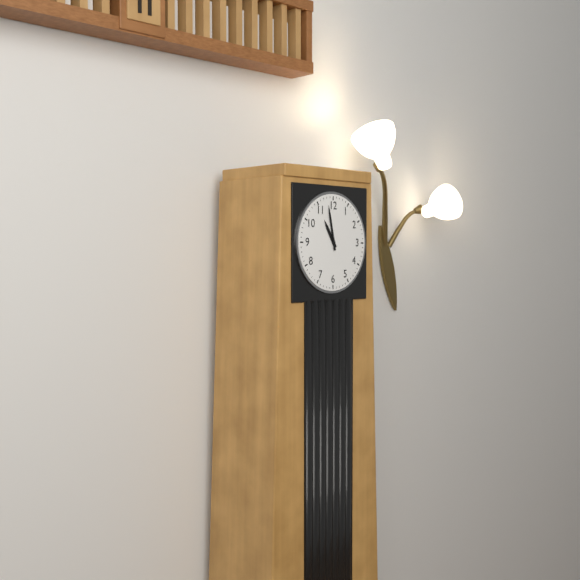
**10:58**
